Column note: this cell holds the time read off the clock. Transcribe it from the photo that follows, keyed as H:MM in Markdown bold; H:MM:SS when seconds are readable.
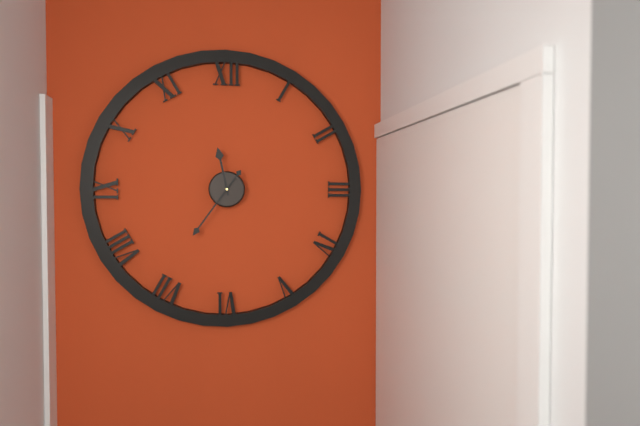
**11:36**
